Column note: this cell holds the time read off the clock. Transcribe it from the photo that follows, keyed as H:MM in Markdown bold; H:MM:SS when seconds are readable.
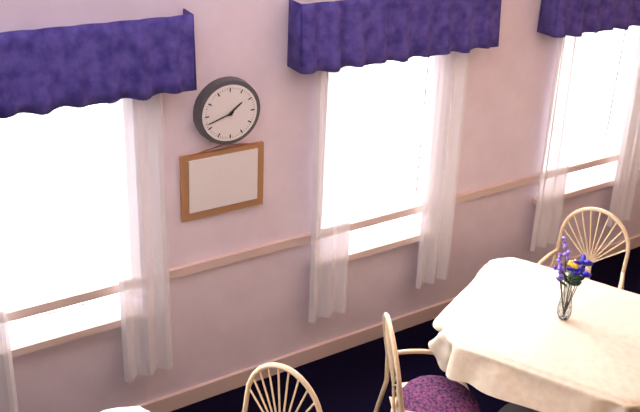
**1:42**
